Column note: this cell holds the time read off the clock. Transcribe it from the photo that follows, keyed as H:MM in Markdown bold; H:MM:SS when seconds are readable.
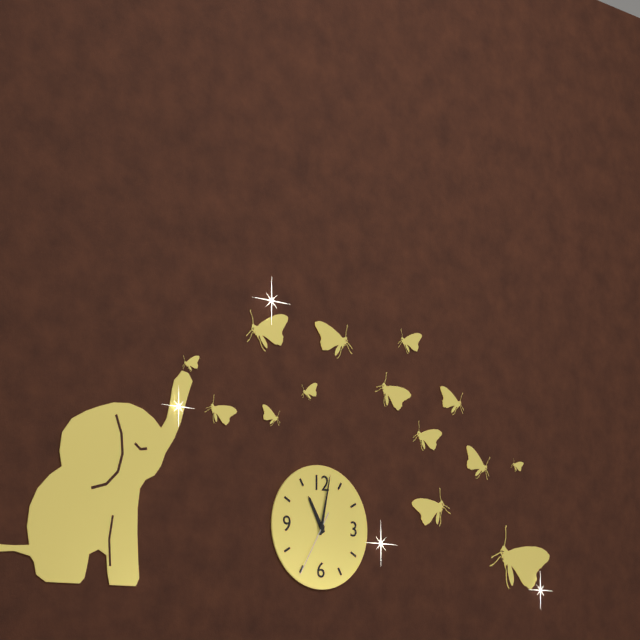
**11:02:35**
